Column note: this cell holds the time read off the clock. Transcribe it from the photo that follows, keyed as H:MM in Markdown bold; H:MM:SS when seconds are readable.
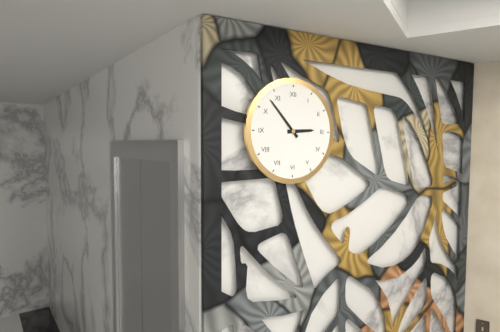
**2:53**
